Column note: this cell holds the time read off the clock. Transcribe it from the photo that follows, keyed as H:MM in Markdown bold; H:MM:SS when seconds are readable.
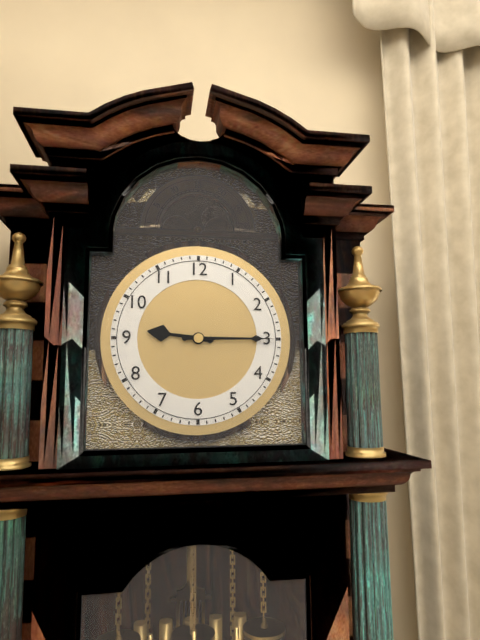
**9:15**
